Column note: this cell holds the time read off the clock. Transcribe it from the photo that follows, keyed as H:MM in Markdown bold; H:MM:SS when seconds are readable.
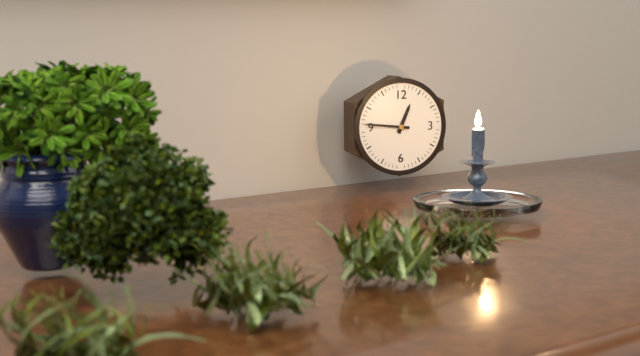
**12:46**
